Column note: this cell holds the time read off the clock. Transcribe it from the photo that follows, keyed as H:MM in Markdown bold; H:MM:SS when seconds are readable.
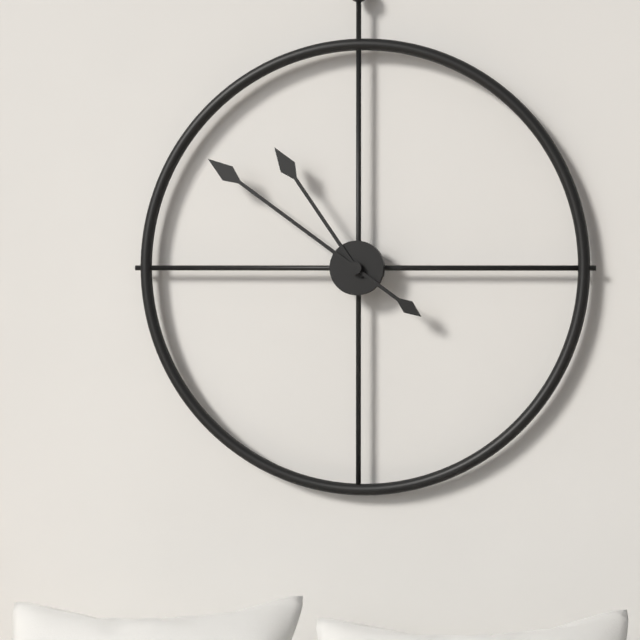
**10:51**
